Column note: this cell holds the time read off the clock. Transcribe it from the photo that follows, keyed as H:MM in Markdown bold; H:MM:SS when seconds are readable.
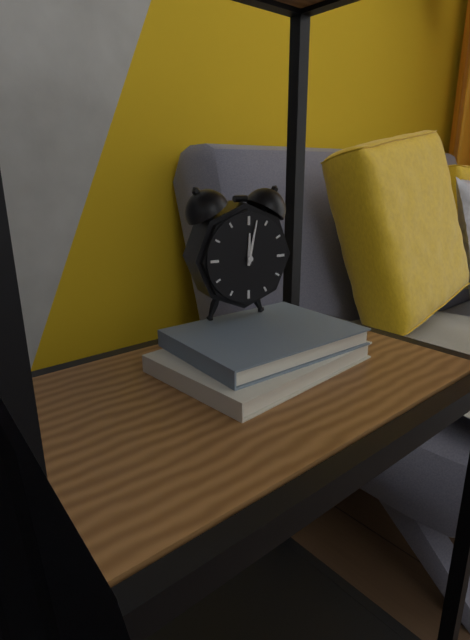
**12:02**
